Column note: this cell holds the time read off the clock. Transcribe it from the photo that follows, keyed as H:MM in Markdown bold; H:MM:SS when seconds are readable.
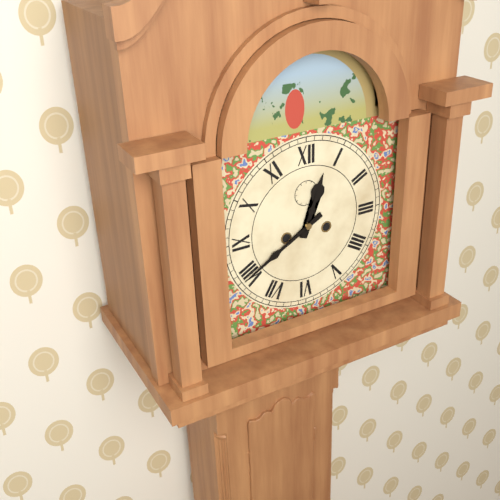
**12:40**
